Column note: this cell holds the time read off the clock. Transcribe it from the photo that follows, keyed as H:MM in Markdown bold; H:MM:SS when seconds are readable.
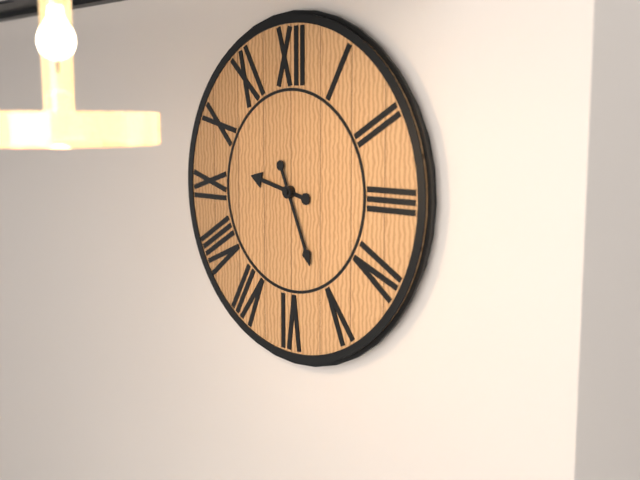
**9:26**
